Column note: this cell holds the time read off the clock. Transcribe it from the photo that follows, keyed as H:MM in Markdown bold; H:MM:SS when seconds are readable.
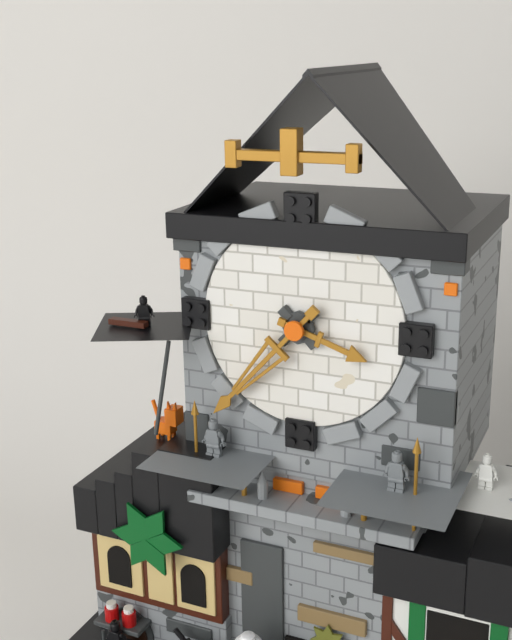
**3:37**
